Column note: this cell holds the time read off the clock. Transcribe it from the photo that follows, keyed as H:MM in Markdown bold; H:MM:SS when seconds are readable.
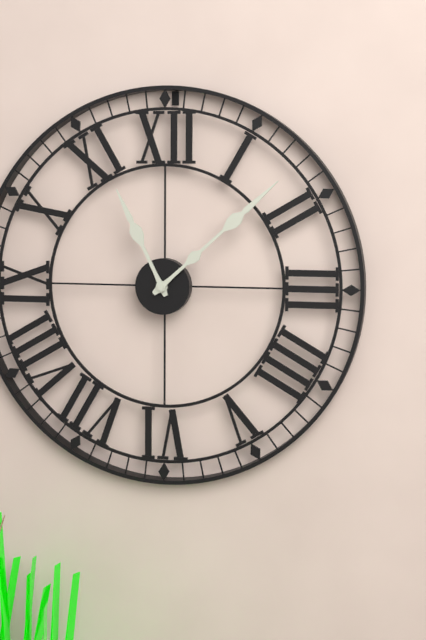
**11:08**
